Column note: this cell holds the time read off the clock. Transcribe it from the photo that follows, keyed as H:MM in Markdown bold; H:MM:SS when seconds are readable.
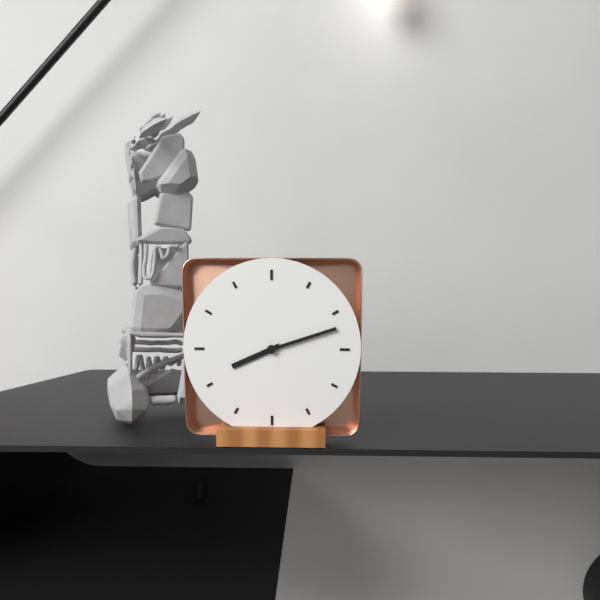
**8:12**
